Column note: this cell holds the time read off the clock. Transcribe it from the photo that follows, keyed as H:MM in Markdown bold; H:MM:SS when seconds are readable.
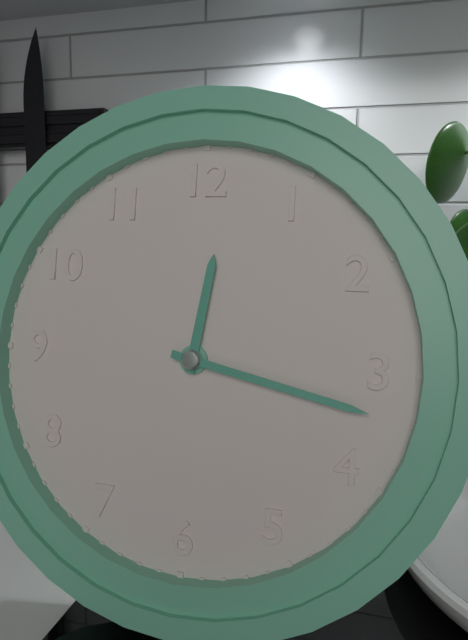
**12:17**
